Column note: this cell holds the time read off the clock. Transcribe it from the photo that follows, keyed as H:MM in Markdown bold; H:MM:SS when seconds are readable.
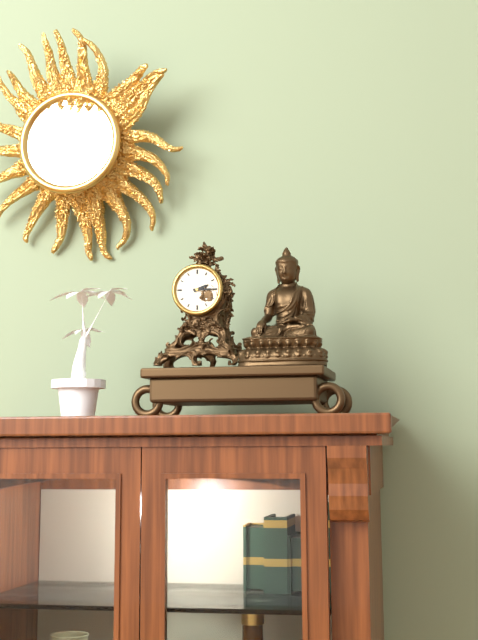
**2:15**
